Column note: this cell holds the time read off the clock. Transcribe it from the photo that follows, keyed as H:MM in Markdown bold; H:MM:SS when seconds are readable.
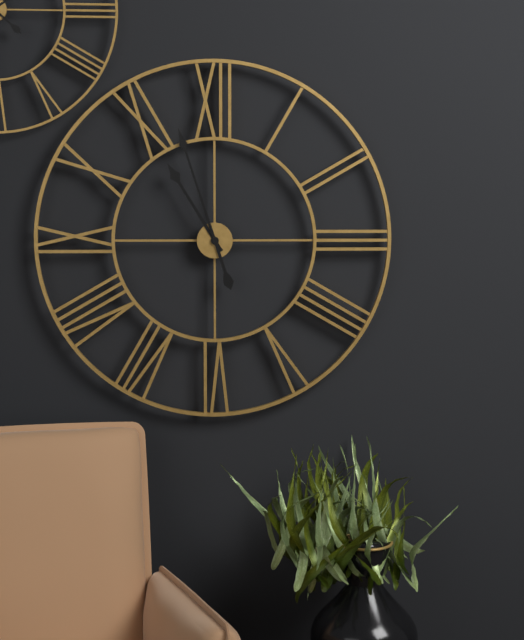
**10:57**
